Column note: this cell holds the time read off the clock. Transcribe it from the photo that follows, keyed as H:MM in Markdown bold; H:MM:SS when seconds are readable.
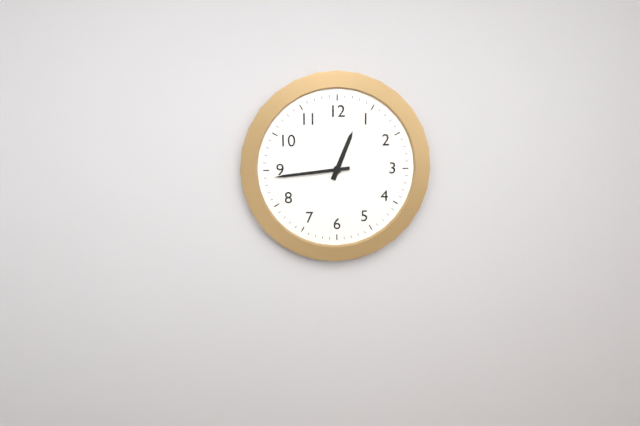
**12:44**
